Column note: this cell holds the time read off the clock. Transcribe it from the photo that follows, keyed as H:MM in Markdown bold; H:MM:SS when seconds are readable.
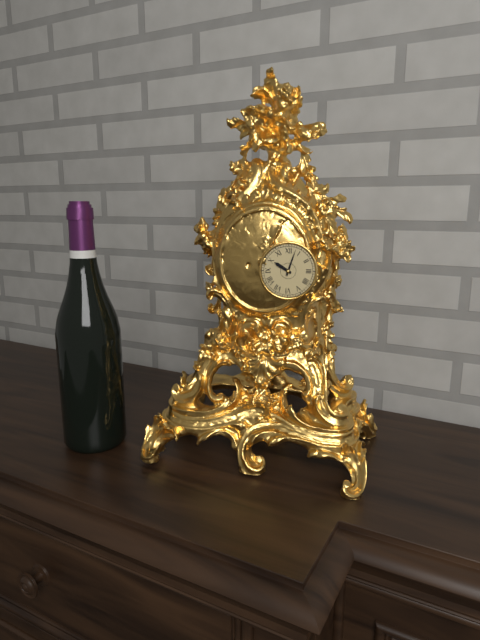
**10:03**
